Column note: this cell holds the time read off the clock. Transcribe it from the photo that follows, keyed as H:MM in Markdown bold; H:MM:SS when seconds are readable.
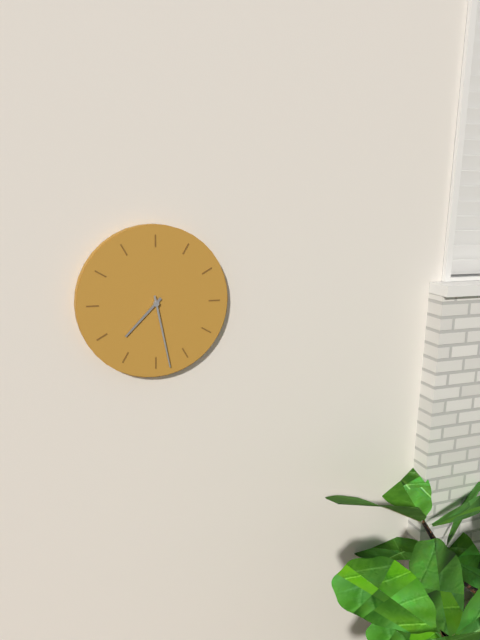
**7:28**
